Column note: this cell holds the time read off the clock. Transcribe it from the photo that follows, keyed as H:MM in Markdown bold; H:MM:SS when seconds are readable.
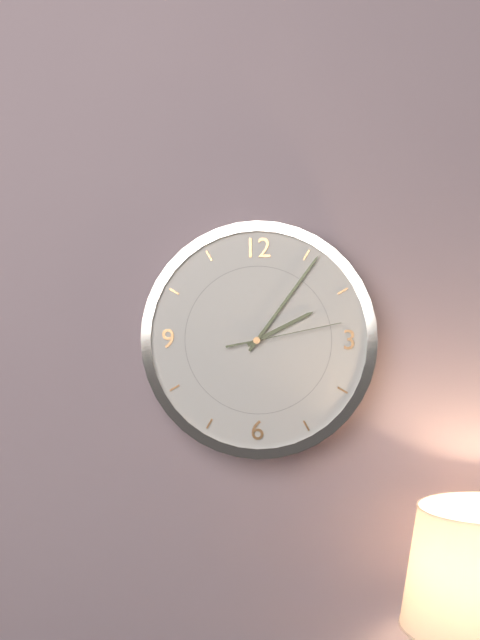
**2:06:13**
